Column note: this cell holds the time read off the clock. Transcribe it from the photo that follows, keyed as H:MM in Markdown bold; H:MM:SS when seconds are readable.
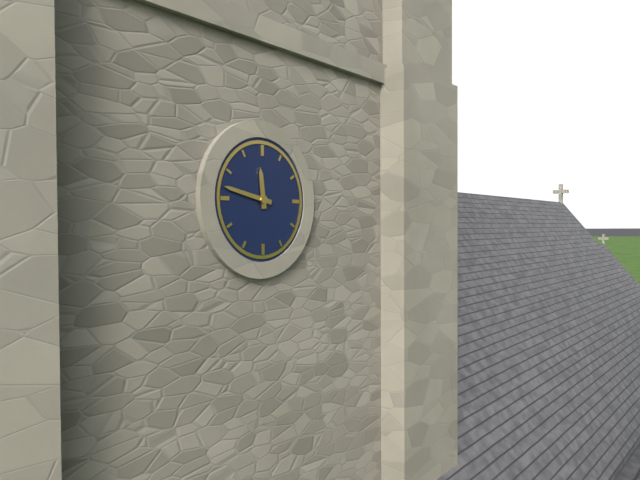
**11:47**
